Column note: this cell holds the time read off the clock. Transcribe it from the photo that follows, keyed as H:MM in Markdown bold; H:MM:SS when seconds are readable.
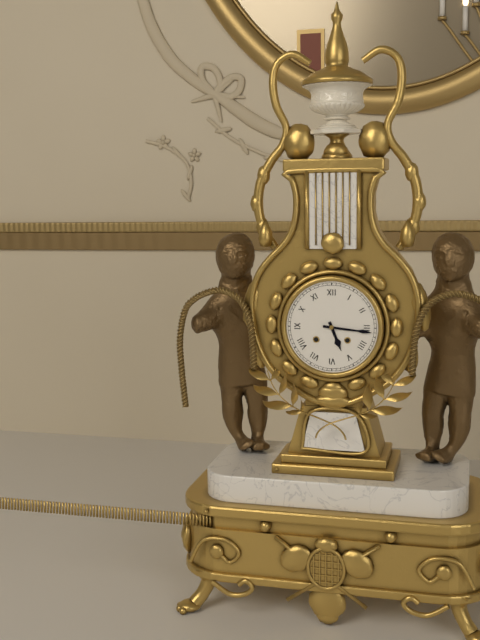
**5:16**
